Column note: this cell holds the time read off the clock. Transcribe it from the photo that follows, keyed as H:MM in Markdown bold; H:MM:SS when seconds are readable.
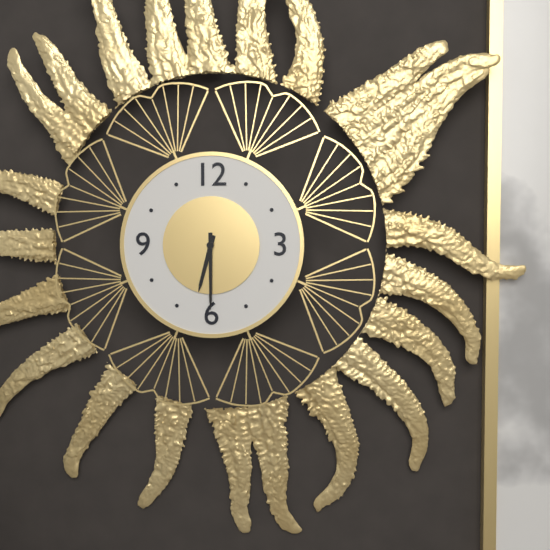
**6:30**
